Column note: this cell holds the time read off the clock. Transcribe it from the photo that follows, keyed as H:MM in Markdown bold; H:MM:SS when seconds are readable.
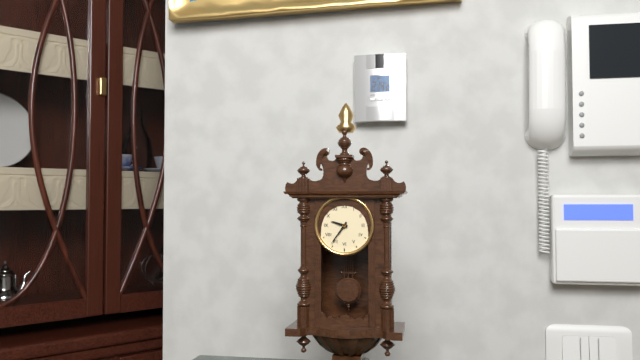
**9:36**
